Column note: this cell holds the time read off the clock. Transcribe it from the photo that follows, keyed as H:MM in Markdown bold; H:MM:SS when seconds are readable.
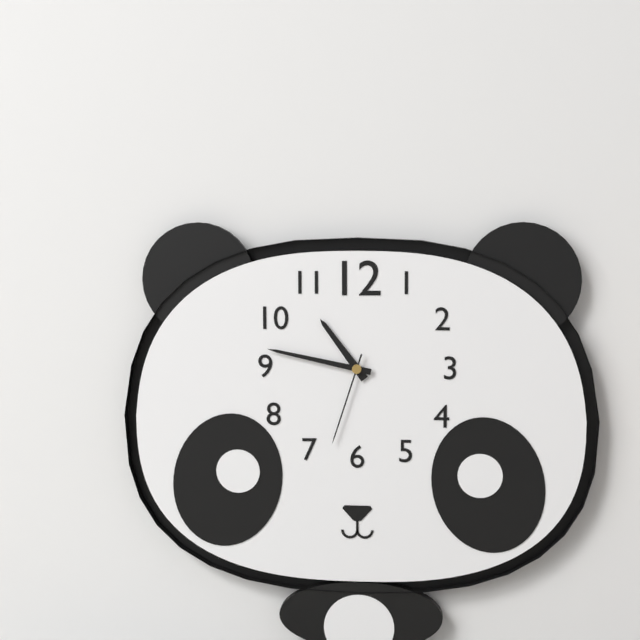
**10:47:33**
